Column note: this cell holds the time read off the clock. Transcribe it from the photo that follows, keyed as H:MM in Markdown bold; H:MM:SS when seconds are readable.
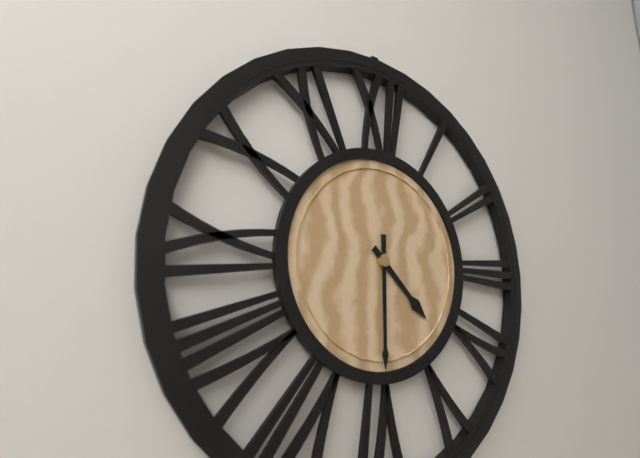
**4:30**
